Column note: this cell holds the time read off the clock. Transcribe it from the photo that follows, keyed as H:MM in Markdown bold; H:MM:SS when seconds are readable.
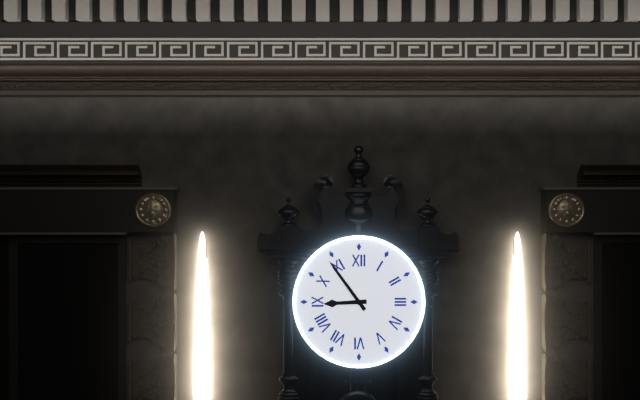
**8:54**
